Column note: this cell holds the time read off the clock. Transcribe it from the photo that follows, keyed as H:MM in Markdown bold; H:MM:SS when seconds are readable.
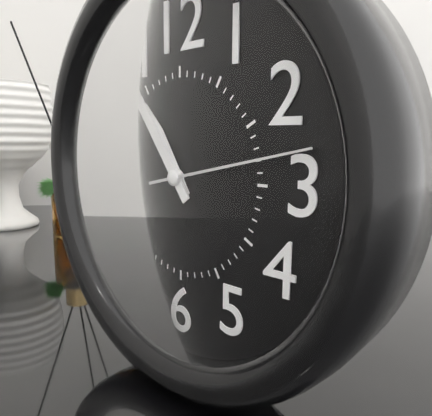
**10:54:13**
